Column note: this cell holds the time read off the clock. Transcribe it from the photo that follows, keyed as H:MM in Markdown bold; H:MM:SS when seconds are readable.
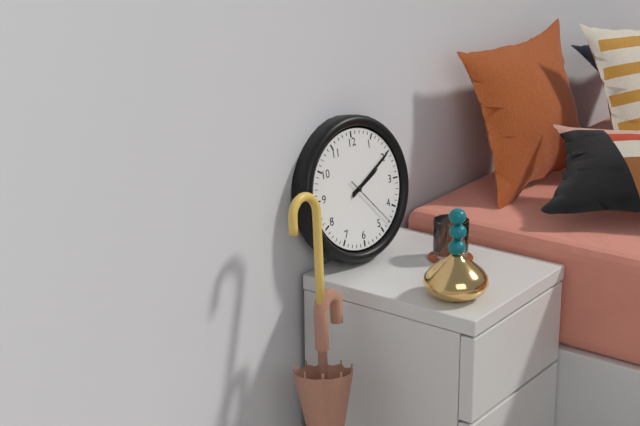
**2:10:23**
